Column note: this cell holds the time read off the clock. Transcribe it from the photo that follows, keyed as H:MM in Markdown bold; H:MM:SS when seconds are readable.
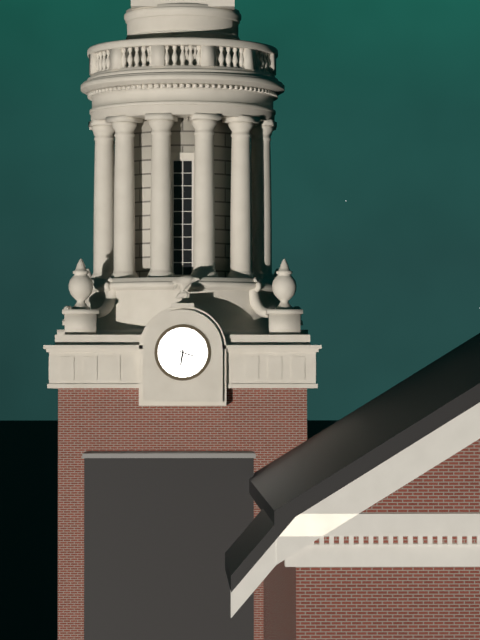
**6:18**
